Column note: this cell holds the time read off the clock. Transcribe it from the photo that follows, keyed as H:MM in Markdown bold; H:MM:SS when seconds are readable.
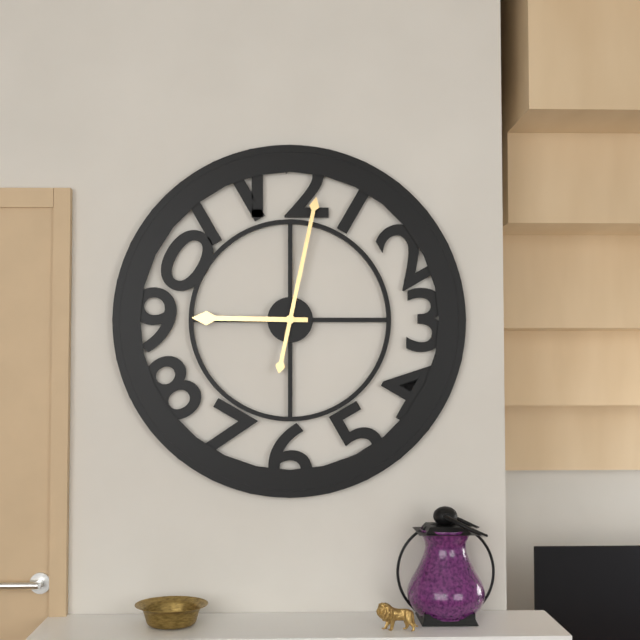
**9:02**
